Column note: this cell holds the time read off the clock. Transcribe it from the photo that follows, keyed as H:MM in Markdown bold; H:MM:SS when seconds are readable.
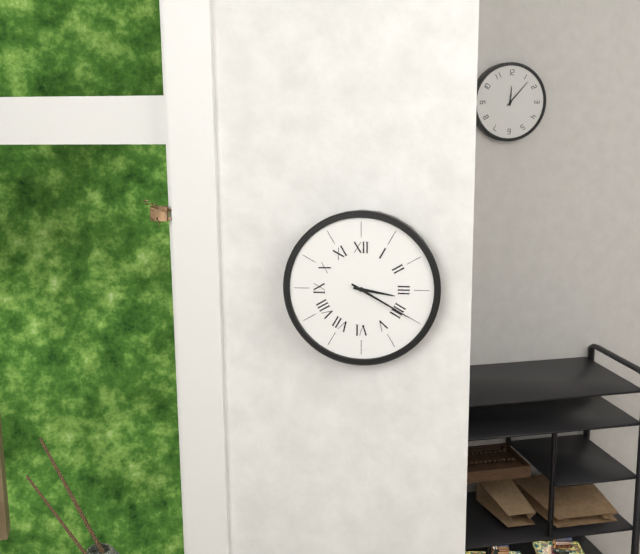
**3:20**
